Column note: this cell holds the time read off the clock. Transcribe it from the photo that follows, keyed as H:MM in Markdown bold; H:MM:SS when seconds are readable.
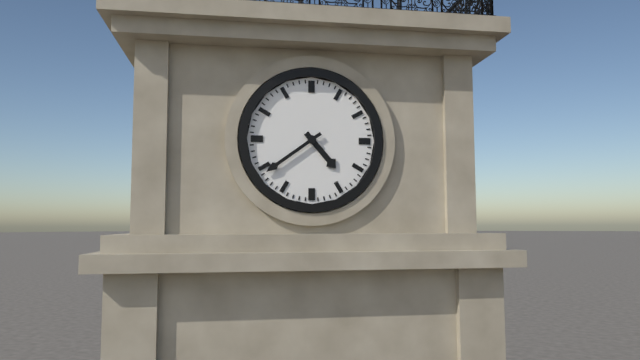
**4:39**
